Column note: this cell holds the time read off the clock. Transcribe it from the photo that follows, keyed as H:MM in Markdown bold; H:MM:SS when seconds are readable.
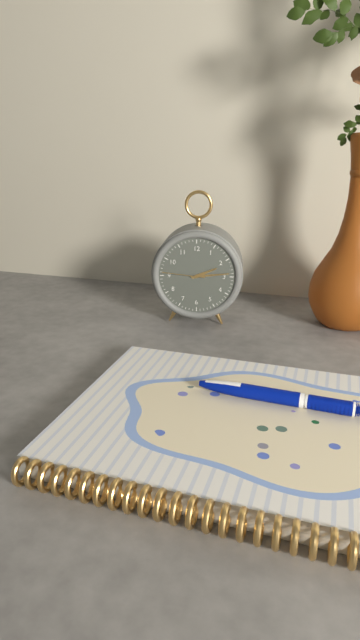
**2:14**
